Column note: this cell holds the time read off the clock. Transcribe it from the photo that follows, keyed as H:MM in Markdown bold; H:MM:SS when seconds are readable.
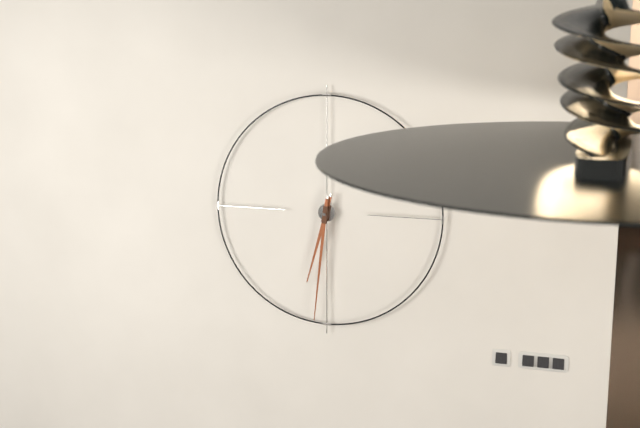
**6:31**
